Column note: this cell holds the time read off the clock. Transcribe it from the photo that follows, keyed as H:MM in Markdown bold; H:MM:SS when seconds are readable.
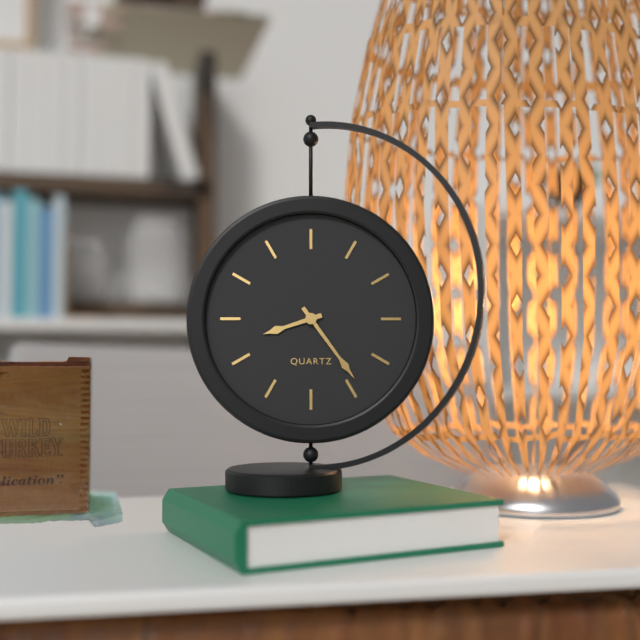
**8:24**
